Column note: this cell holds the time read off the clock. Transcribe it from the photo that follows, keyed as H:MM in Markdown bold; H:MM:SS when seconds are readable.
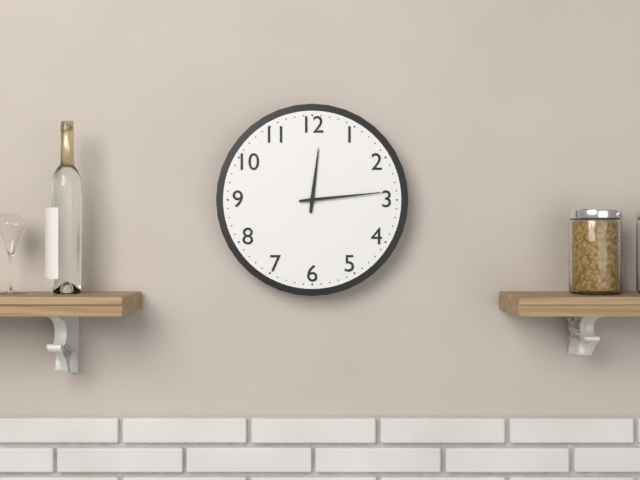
**12:14**
